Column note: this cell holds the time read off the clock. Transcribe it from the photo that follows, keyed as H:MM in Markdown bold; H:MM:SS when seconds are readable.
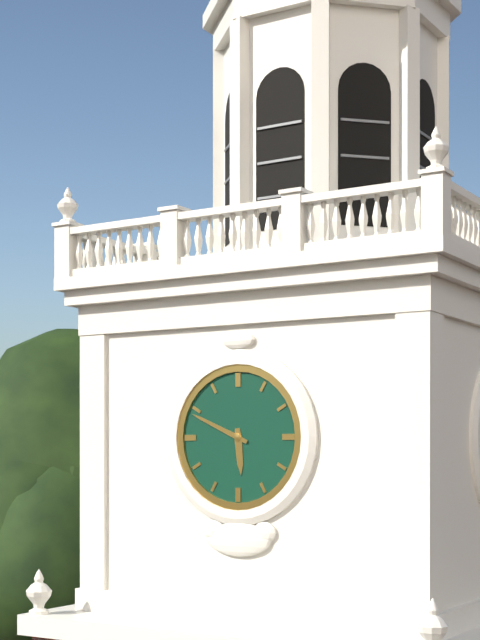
**5:49**
